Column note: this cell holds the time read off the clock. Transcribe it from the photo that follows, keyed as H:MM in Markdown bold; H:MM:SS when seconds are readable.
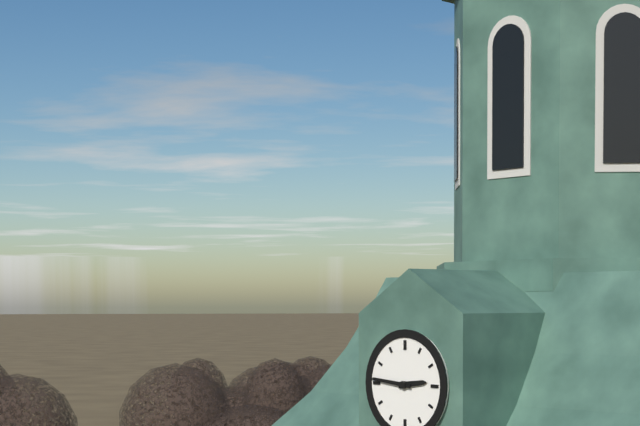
**2:46**
